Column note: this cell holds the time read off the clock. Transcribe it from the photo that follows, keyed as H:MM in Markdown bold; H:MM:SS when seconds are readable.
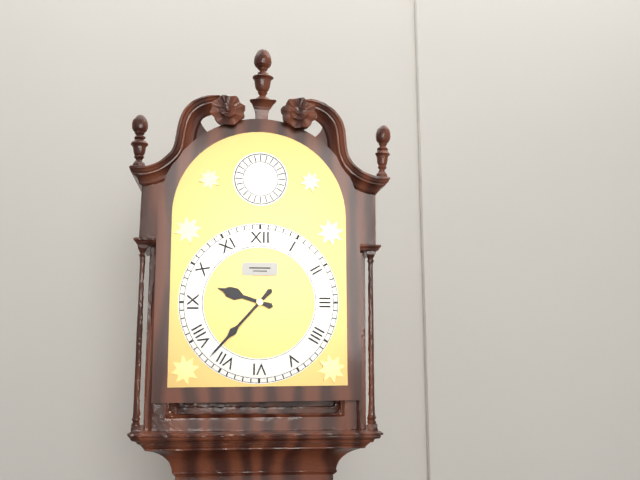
**9:37**
